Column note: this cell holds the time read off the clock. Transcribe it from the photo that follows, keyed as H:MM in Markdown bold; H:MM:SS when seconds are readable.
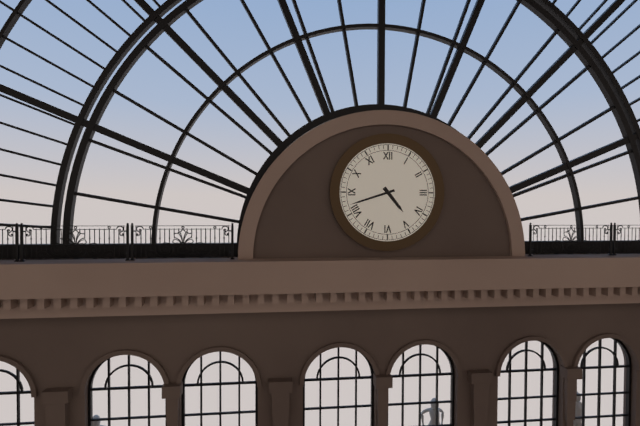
**4:42**
